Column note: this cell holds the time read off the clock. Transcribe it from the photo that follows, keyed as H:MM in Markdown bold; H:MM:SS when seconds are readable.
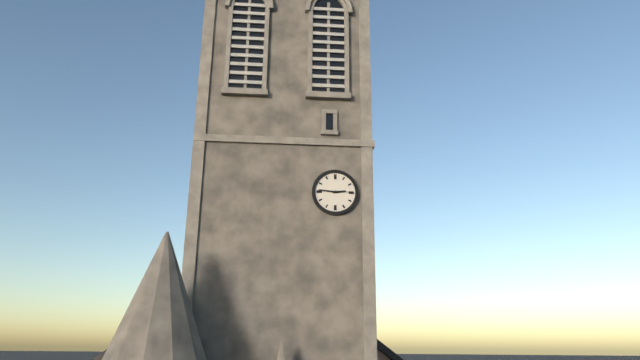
**2:46**
